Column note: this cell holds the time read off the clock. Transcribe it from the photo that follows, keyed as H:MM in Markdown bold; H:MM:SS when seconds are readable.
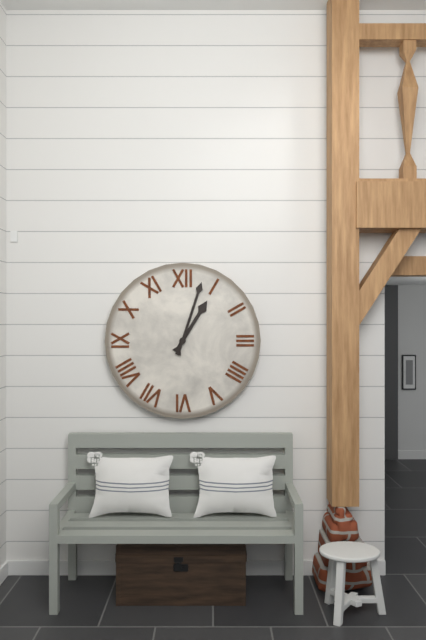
**1:03**
